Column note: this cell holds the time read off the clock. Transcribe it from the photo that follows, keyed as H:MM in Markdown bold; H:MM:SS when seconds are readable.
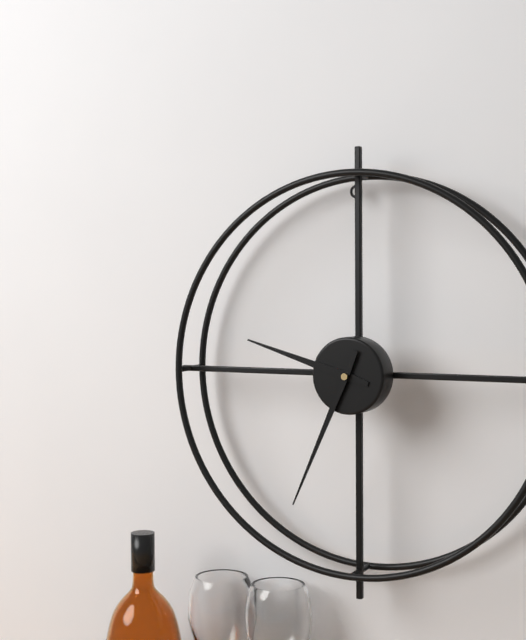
**9:34**
